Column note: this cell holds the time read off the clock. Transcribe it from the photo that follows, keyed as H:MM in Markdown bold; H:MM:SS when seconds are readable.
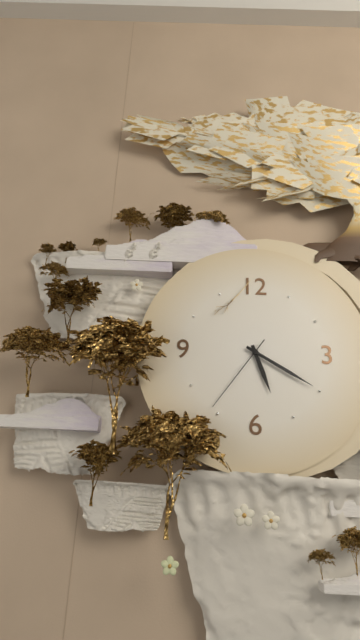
**5:20:36**
